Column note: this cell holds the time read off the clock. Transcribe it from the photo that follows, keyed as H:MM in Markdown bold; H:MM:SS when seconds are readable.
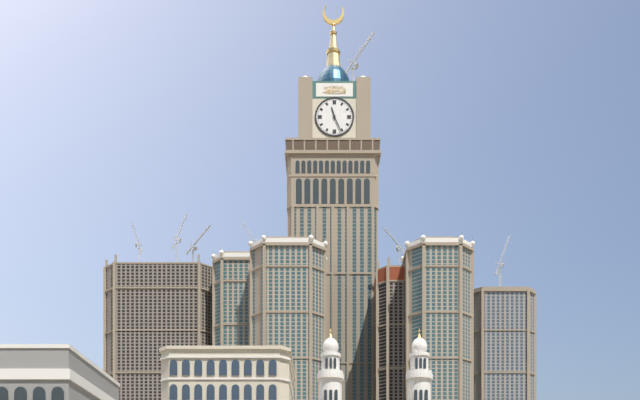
**11:26**
